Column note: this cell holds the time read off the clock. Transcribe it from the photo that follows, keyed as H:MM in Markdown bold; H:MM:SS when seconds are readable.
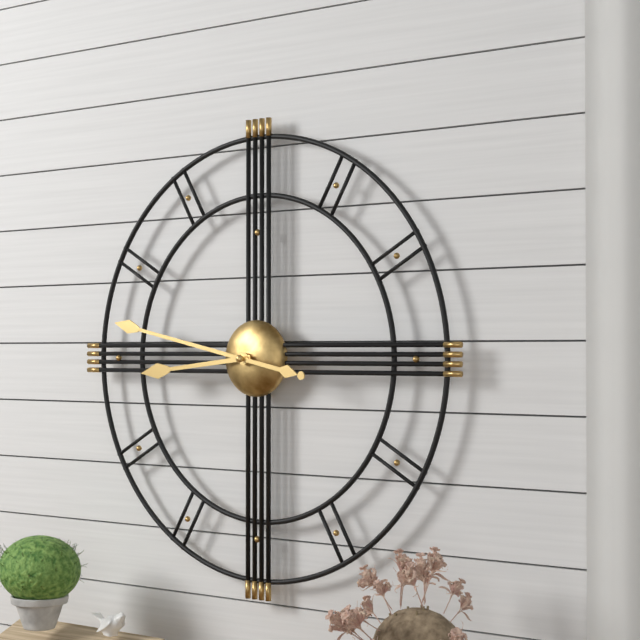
**8:47**
